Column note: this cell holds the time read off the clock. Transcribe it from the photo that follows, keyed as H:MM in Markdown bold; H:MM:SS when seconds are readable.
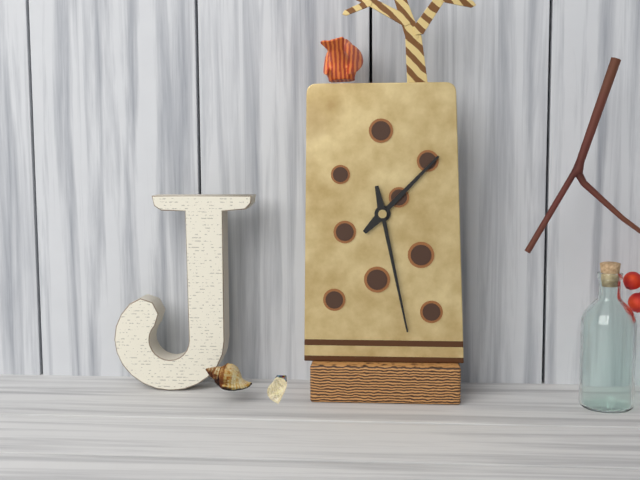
**1:28**
